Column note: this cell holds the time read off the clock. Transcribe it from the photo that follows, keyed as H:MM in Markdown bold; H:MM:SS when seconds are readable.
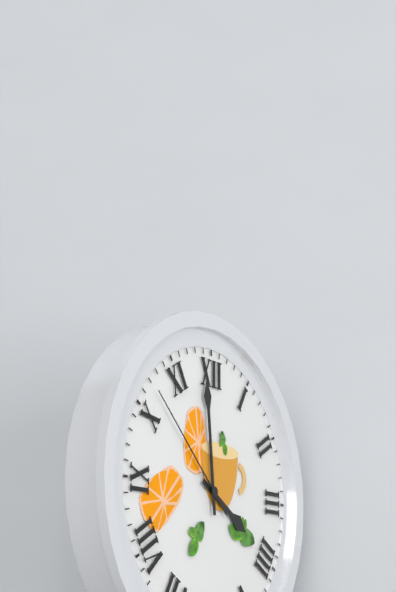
**3:59:52**
